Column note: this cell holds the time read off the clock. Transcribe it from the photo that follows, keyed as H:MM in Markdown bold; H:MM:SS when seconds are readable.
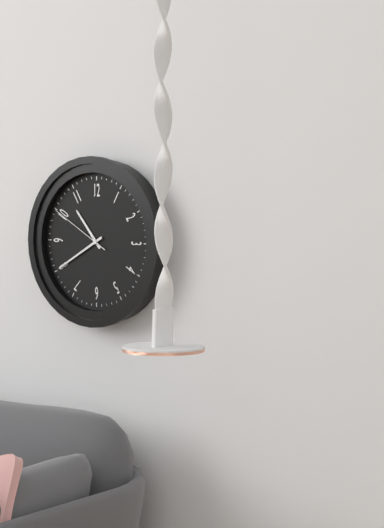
**10:40:50**
